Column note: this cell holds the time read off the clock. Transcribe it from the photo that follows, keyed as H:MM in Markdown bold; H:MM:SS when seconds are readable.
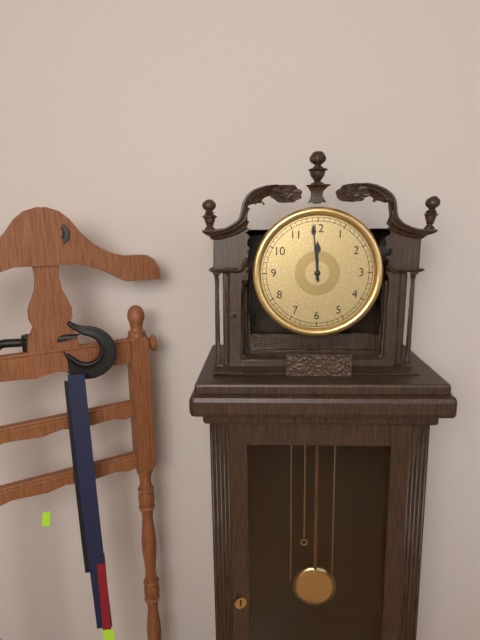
**11:59**
